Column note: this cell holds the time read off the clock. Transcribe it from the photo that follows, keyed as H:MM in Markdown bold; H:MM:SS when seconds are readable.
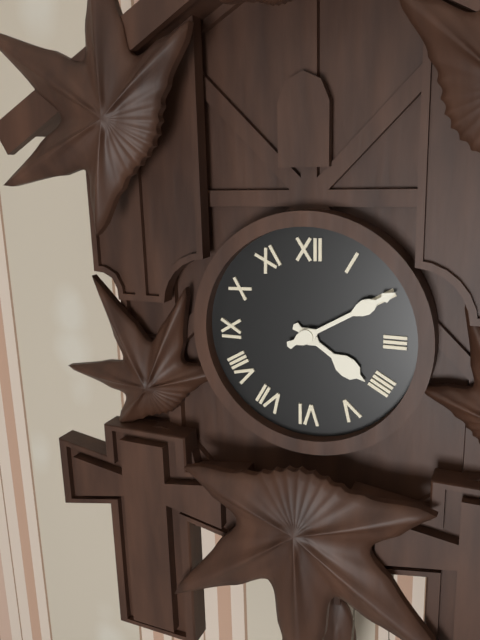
**4:10**
